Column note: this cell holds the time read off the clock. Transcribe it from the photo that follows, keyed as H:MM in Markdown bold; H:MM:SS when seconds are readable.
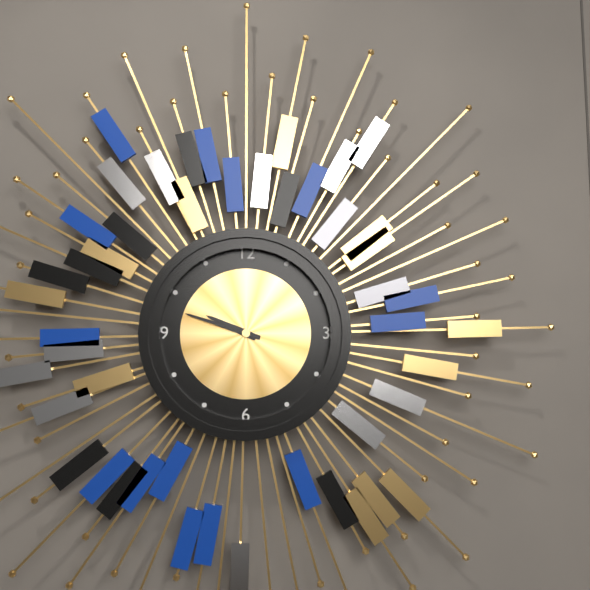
**9:48**
